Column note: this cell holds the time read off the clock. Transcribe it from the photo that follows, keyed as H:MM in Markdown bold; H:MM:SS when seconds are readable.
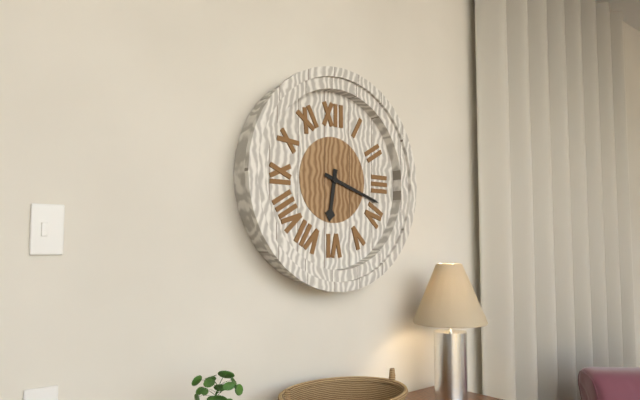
**6:18**
